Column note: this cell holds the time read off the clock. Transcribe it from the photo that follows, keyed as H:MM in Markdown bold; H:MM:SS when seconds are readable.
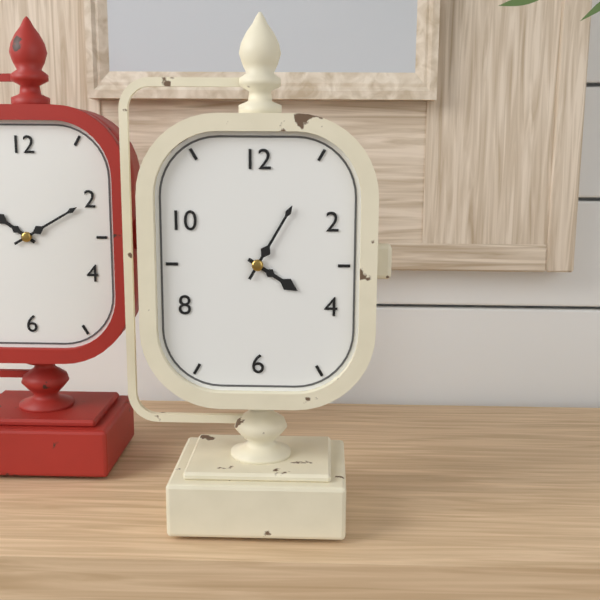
**4:05**
